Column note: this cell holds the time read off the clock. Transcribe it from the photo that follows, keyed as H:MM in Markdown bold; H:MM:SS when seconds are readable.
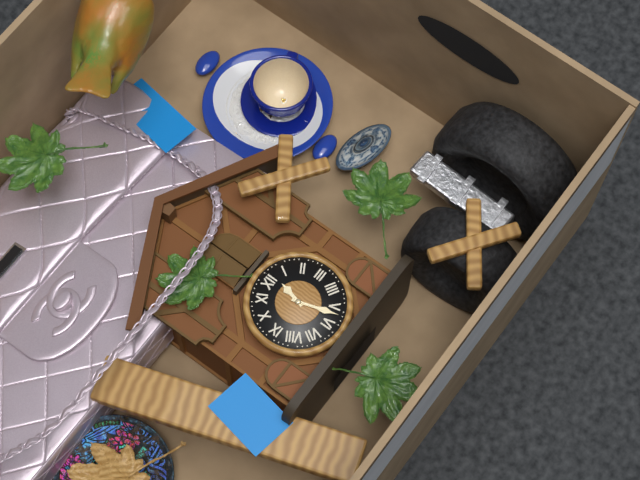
**12:27**
